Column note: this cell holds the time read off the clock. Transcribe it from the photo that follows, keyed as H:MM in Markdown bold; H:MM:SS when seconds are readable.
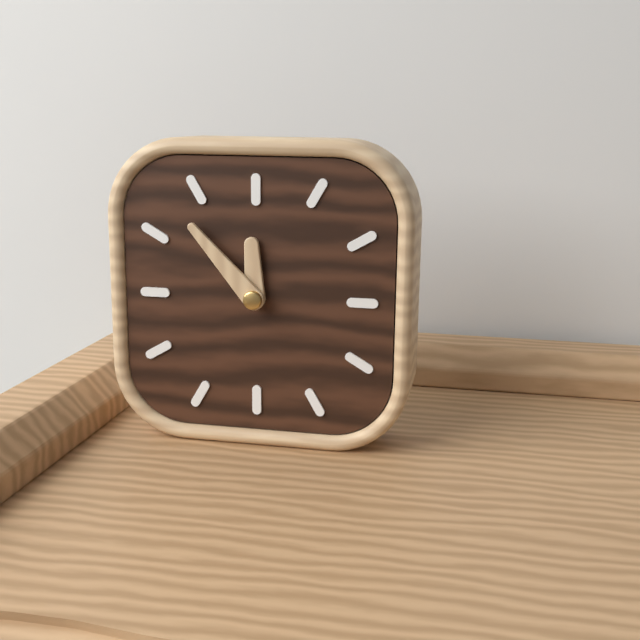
**11:53**
